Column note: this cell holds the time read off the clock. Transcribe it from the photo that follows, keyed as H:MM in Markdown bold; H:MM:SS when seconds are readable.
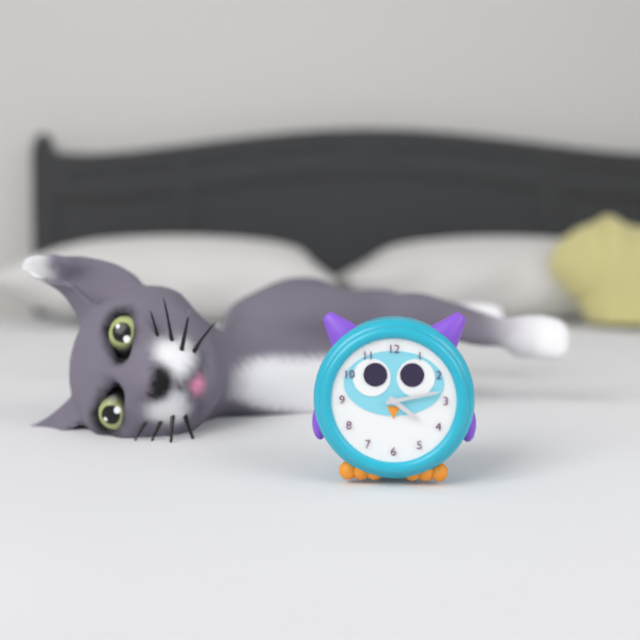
**4:13**
